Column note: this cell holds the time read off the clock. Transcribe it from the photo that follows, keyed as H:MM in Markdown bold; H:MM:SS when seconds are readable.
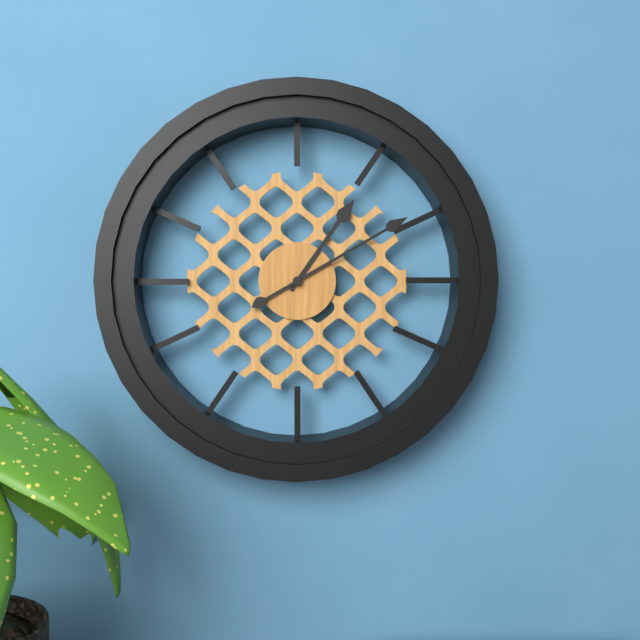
**1:10**
